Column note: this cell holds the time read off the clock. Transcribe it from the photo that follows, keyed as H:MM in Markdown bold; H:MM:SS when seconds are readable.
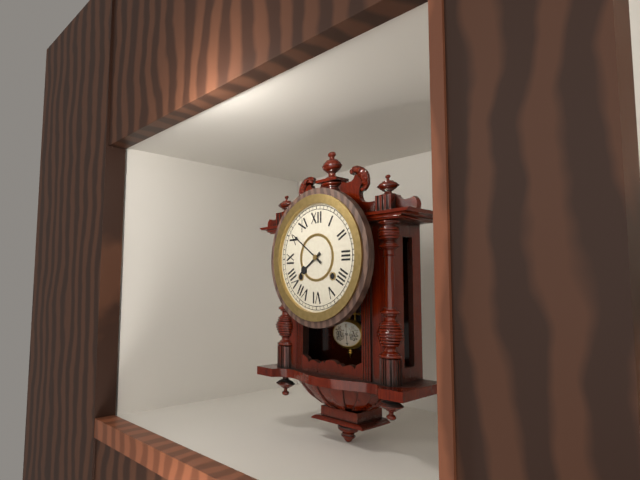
**7:51**
